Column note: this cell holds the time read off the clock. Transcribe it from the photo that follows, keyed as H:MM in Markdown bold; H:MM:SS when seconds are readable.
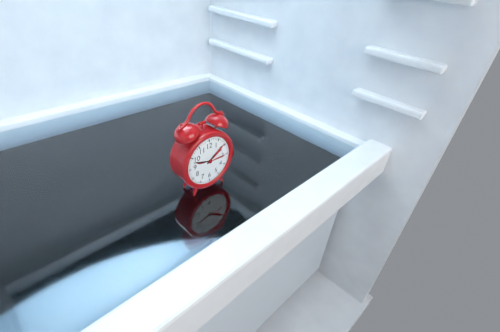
**1:48**
